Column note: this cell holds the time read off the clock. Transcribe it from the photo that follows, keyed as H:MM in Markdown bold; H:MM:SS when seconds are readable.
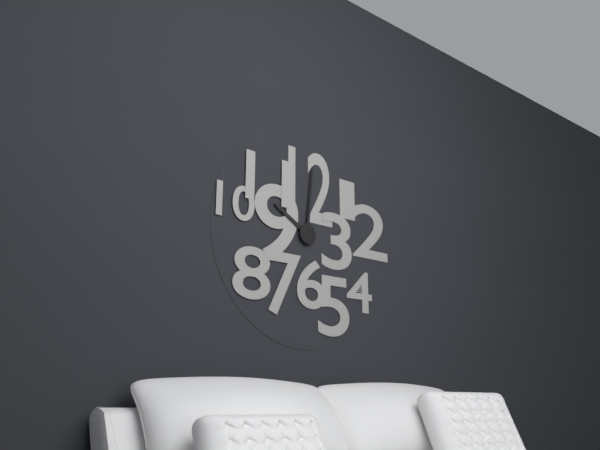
**10:01**
